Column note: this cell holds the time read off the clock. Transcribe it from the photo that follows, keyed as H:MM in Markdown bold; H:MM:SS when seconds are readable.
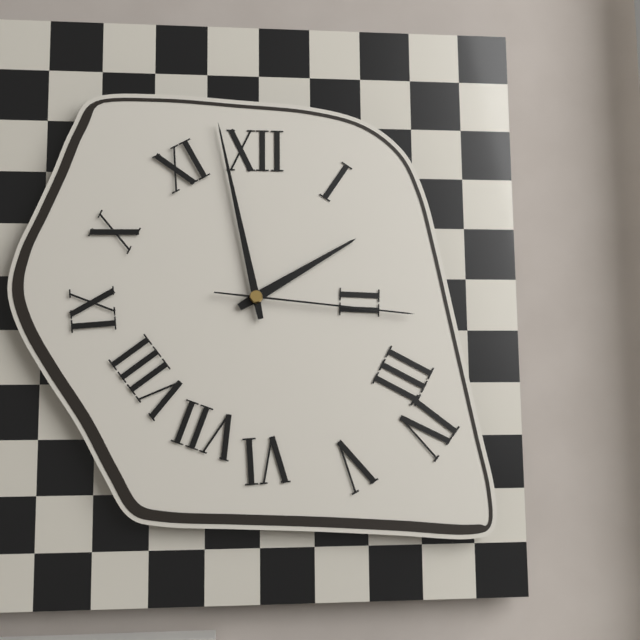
**1:58:16**
